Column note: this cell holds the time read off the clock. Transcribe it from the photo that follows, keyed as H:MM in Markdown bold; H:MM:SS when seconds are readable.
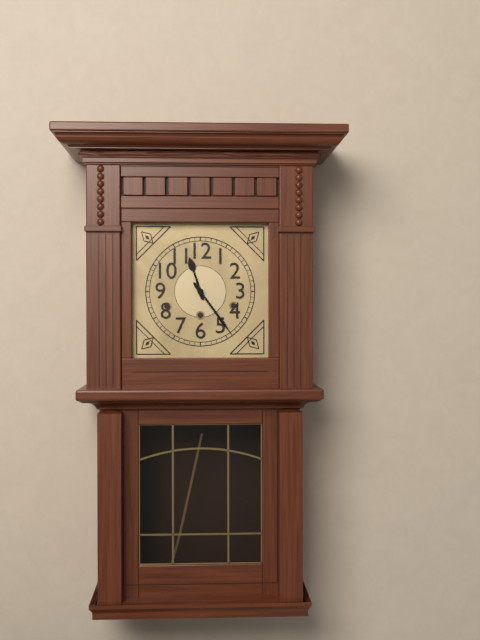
**11:24**
